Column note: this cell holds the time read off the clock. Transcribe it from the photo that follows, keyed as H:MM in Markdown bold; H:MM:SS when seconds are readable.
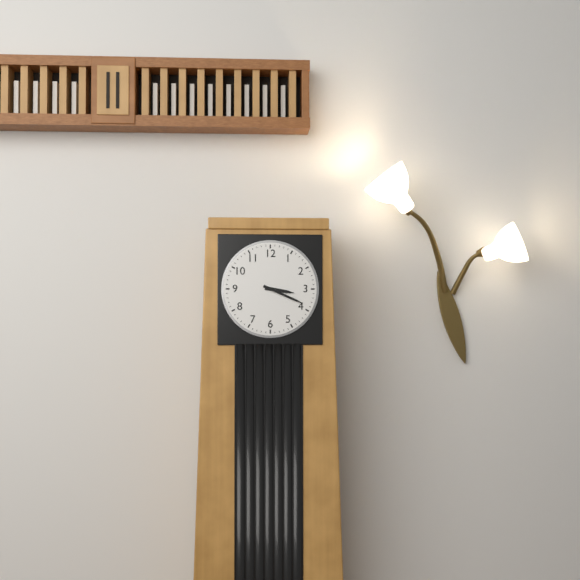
**3:19**
